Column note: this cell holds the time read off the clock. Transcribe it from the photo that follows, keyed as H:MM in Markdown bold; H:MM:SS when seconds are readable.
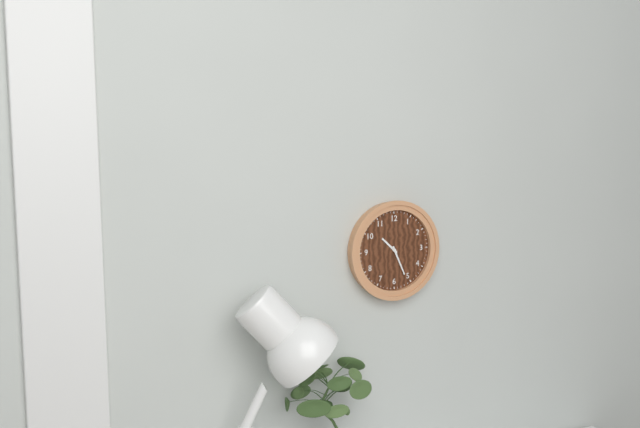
**10:26**
